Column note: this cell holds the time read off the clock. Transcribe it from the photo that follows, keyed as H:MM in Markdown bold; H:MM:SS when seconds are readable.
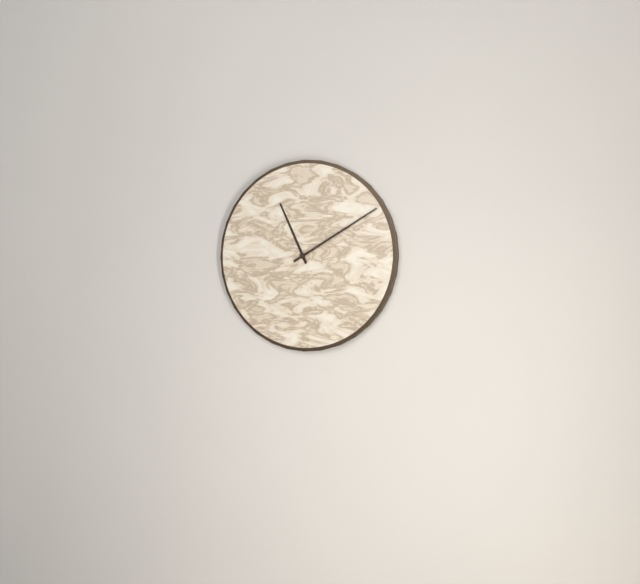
**11:10**
